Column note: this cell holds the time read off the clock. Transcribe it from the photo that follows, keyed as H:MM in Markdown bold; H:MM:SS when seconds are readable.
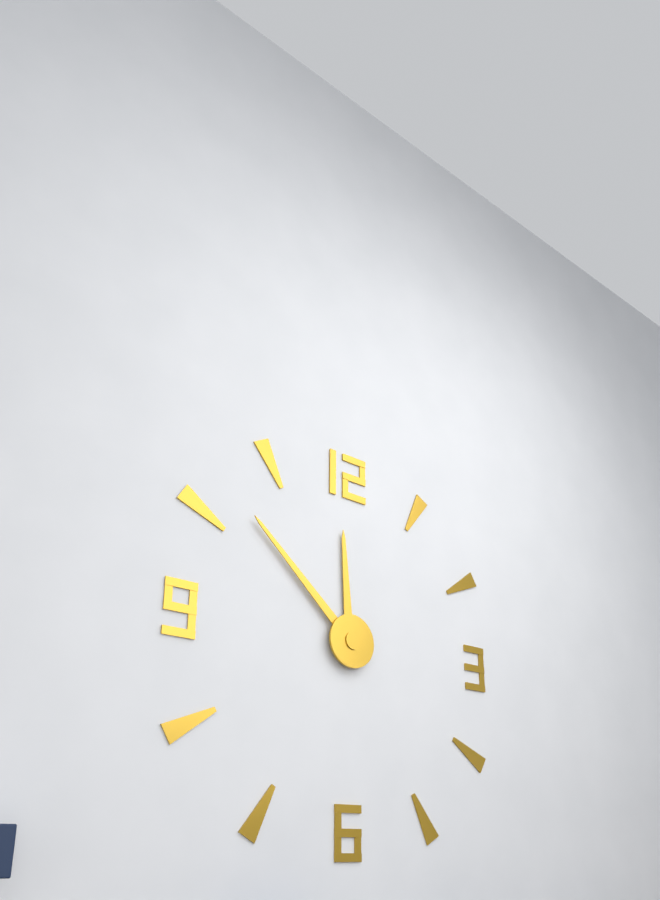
**11:52**
